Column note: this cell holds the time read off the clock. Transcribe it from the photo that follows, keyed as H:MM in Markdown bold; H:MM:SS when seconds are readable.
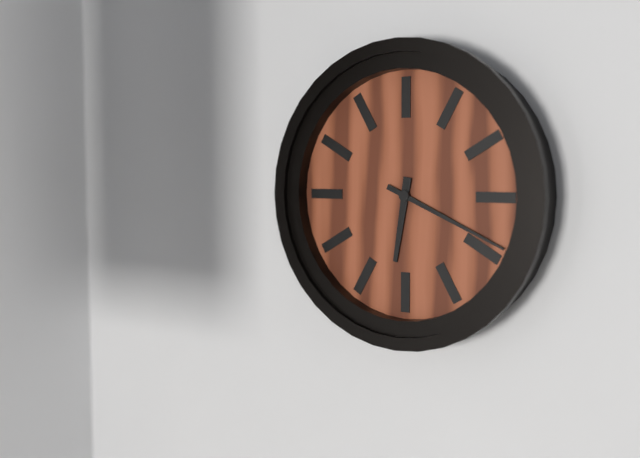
**6:19**
